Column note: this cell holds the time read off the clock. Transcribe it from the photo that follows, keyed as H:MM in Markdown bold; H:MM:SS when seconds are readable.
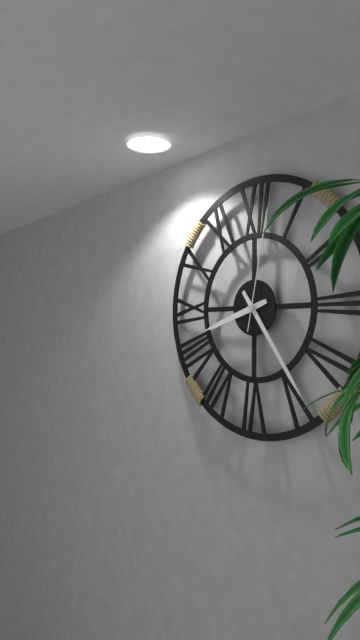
**8:24:02**
